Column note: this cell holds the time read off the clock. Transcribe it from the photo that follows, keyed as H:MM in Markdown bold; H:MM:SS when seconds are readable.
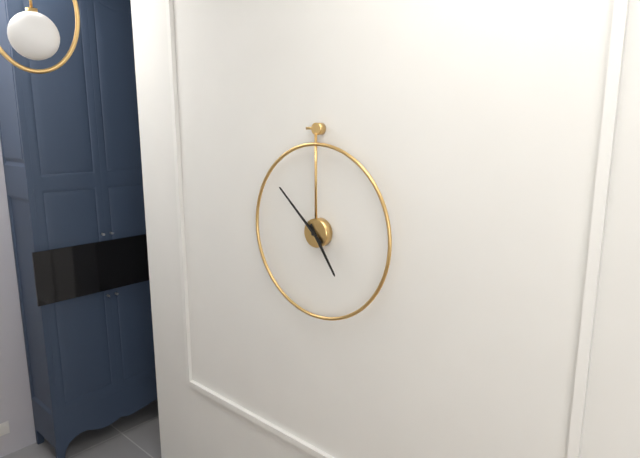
**4:52**
